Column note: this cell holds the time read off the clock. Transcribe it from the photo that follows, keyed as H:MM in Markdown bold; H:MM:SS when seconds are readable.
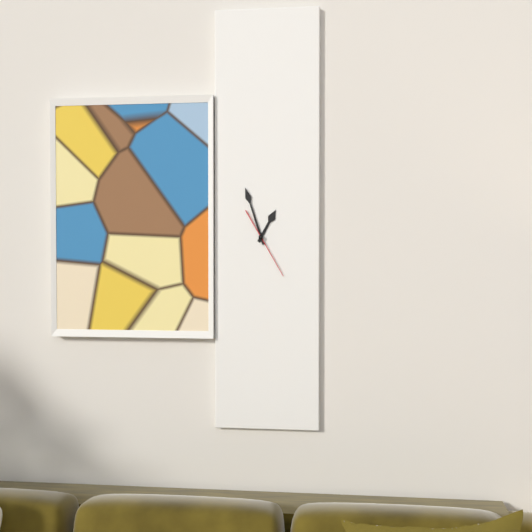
**12:57:25**
